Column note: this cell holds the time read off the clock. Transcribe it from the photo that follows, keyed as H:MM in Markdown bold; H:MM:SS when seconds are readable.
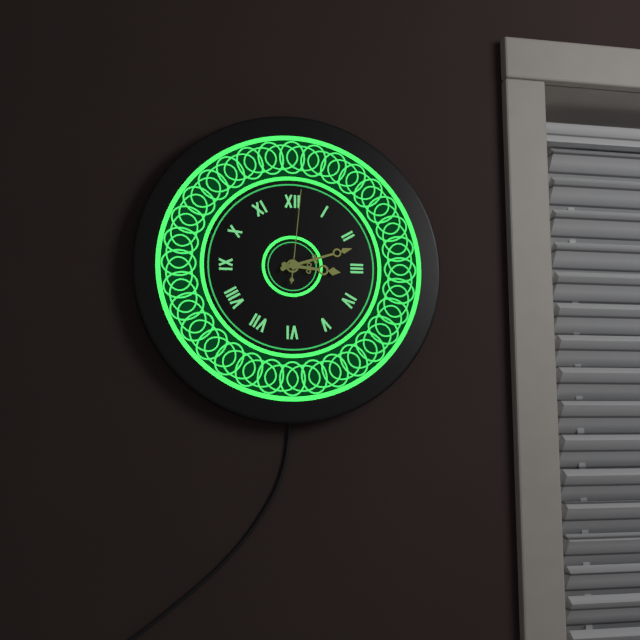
**3:12:01**
